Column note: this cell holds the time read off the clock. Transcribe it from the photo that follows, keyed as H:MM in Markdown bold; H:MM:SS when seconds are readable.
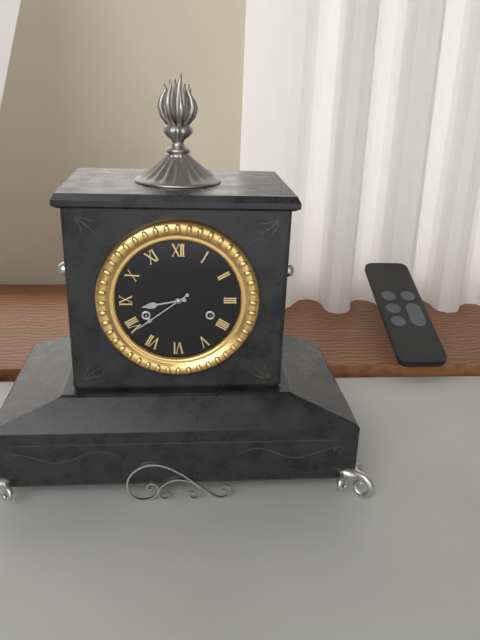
**8:39**
